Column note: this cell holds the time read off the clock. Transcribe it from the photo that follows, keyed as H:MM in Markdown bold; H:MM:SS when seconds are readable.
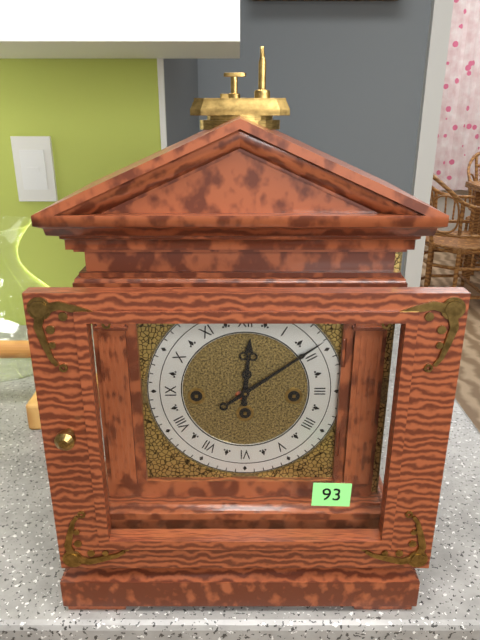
**12:09**
